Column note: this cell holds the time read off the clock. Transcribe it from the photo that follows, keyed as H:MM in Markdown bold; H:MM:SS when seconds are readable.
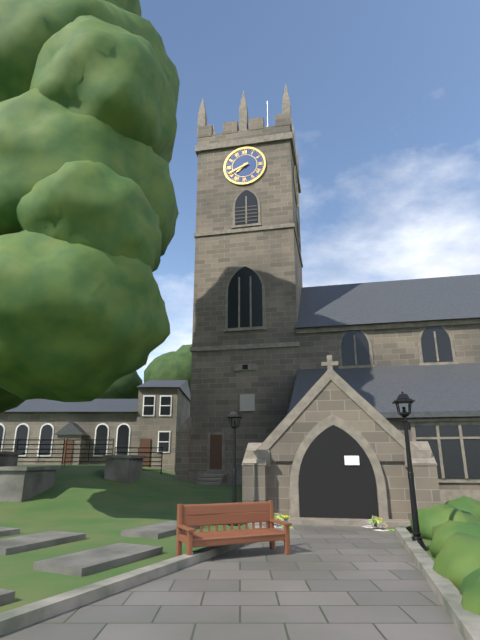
**7:41**
